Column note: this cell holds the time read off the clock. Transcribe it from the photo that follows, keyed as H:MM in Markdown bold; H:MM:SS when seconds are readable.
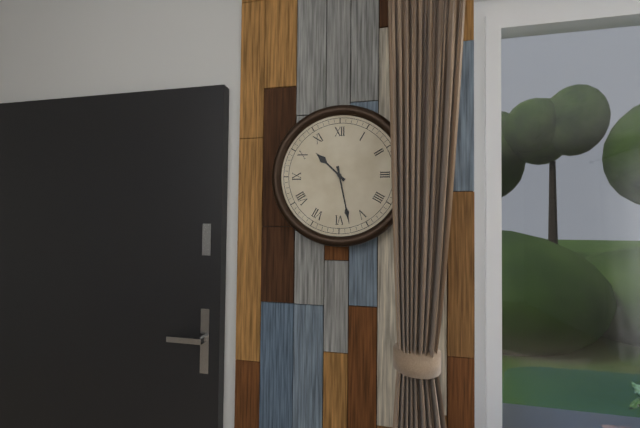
**10:28**
